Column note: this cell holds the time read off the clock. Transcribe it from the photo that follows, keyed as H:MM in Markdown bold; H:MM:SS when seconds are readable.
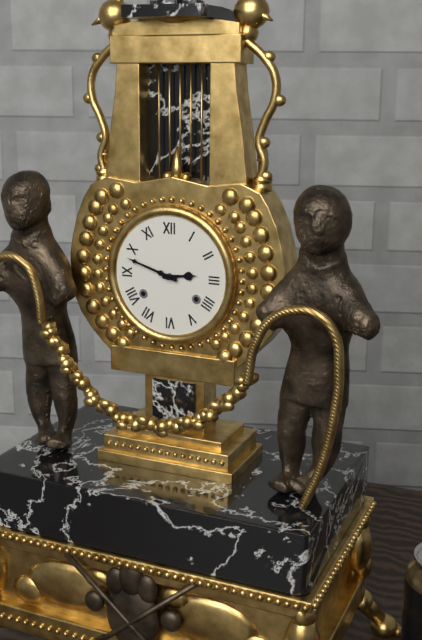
**2:48**
